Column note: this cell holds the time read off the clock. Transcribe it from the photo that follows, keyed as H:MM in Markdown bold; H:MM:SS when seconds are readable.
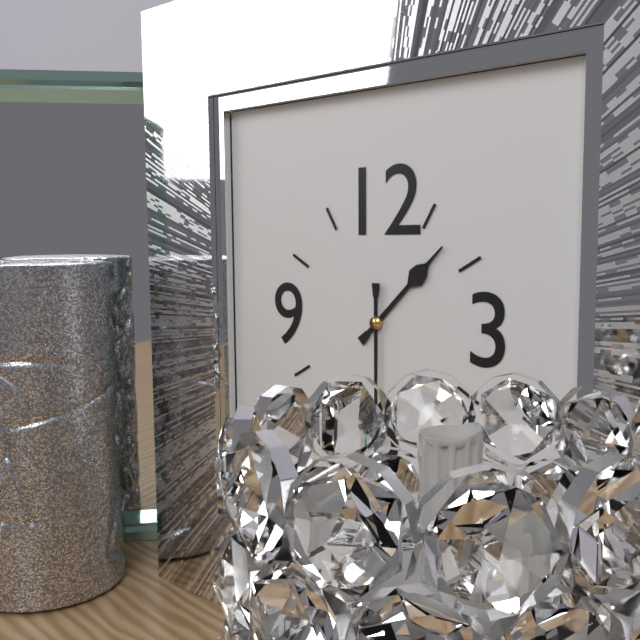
**1:30**
